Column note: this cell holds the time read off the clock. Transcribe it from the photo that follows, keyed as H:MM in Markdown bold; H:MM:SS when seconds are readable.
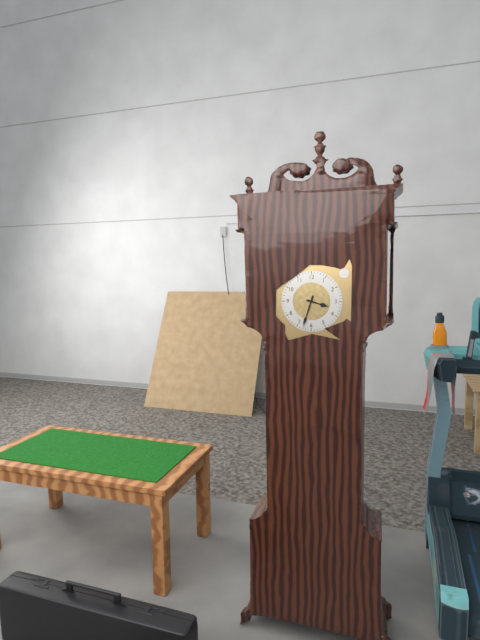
**3:33**
